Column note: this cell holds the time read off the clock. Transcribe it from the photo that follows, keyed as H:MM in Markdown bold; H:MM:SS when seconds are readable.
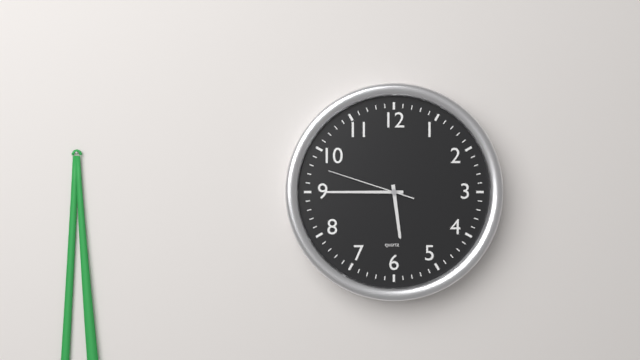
**5:45:48**
